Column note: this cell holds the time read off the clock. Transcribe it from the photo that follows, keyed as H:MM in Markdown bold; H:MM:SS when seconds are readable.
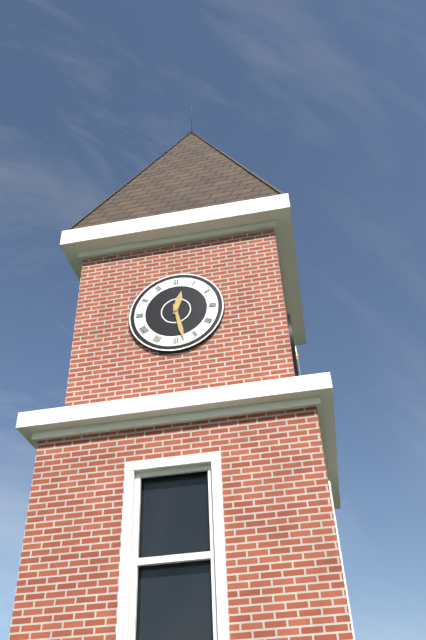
**12:28**
